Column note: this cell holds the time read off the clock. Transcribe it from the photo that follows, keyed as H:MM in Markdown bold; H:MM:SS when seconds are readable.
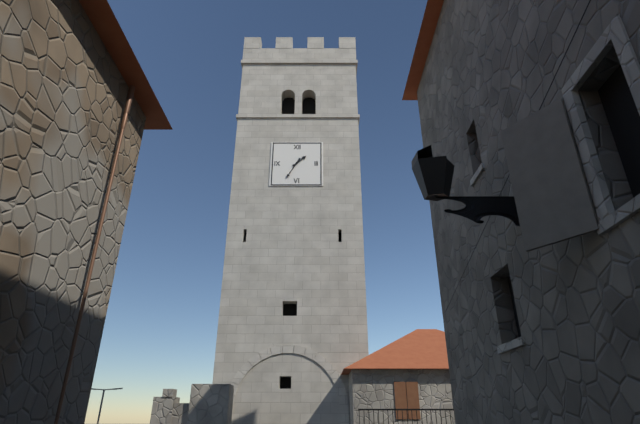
**1:35**
